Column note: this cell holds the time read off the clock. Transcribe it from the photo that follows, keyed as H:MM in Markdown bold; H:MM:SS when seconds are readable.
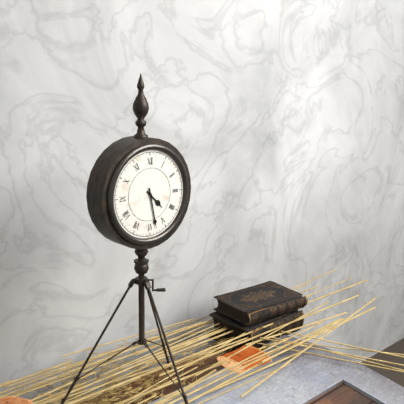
**4:28**
